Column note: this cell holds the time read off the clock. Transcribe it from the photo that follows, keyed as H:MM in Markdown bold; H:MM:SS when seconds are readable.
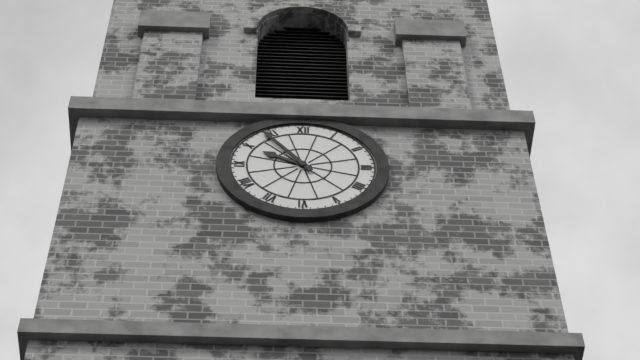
**9:54**
